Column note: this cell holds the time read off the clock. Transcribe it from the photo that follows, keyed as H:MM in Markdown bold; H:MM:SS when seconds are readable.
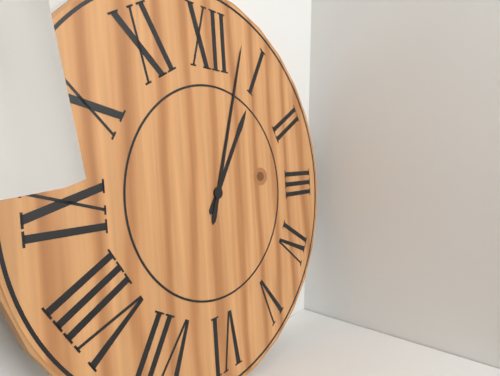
**1:03**
